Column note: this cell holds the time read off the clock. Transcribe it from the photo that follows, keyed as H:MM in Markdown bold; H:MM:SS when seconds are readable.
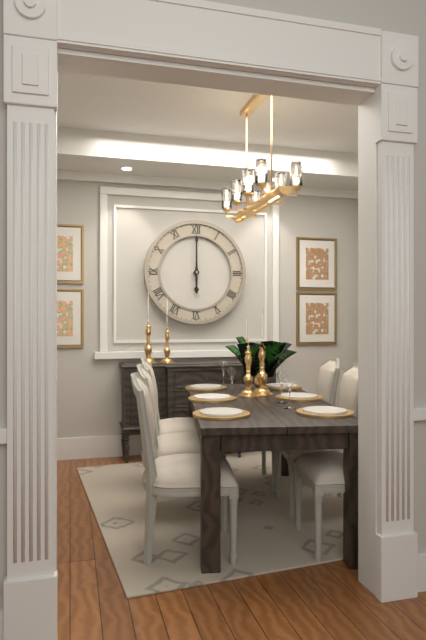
**6:00**
